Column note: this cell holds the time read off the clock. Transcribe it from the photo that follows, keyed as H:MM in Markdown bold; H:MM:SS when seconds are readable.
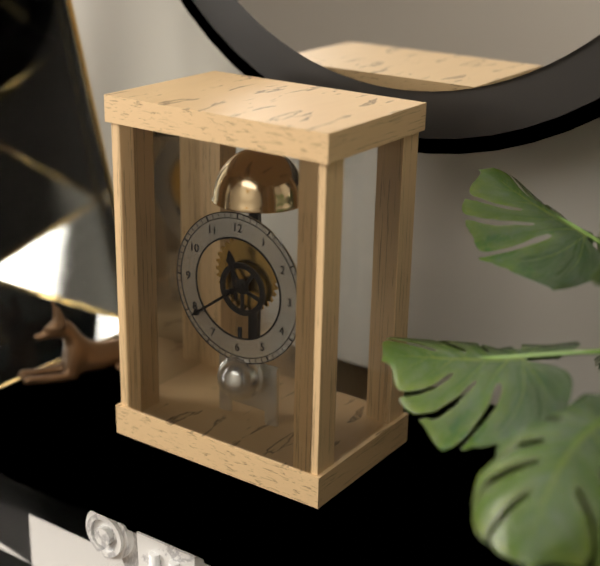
**11:39**
